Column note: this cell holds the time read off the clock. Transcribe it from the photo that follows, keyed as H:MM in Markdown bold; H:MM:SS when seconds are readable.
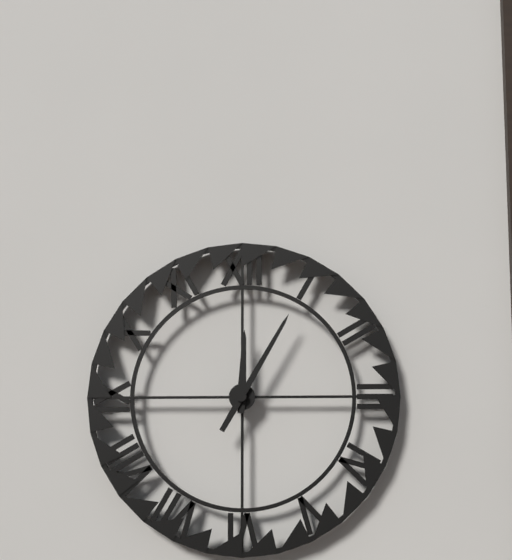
**12:05**
